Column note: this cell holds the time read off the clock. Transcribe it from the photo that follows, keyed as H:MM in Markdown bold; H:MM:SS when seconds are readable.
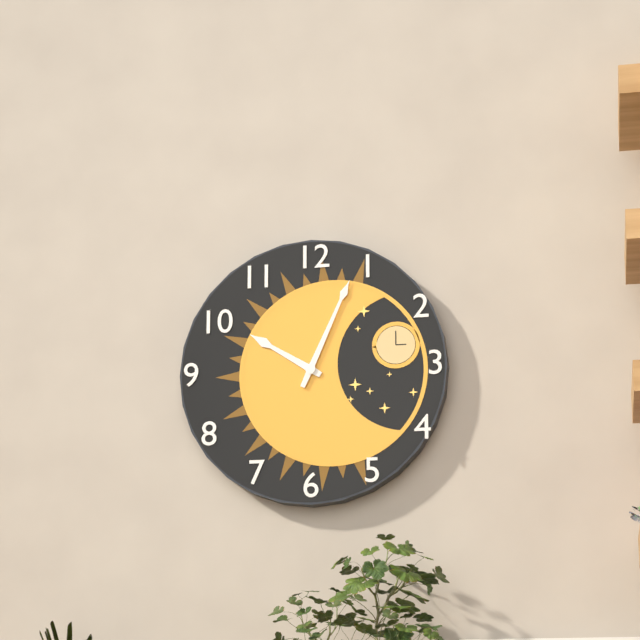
**10:04**
